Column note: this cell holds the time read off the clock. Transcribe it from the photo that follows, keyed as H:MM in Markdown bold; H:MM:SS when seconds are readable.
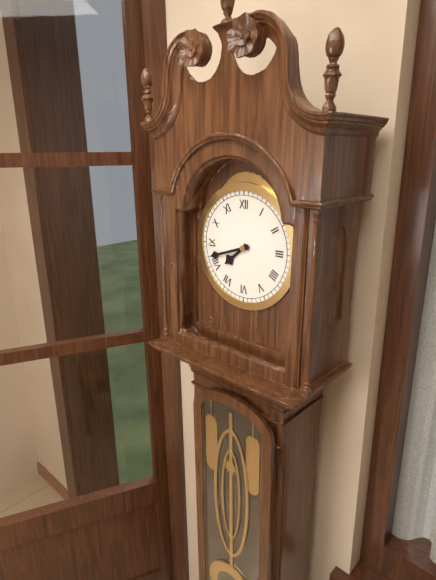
**7:42**
